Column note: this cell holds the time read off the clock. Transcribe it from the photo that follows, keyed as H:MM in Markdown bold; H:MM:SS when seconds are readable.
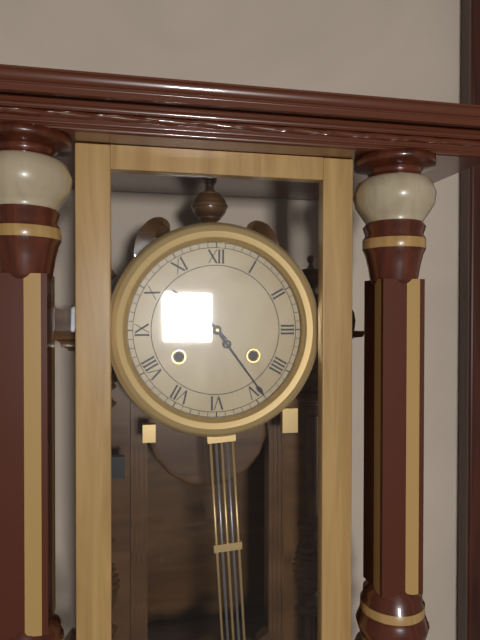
**10:24**
